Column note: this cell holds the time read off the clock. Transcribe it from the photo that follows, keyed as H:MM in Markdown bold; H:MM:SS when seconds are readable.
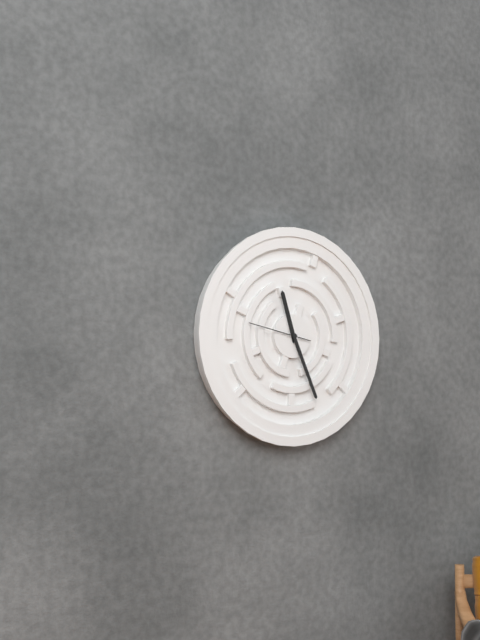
**11:26:47**
